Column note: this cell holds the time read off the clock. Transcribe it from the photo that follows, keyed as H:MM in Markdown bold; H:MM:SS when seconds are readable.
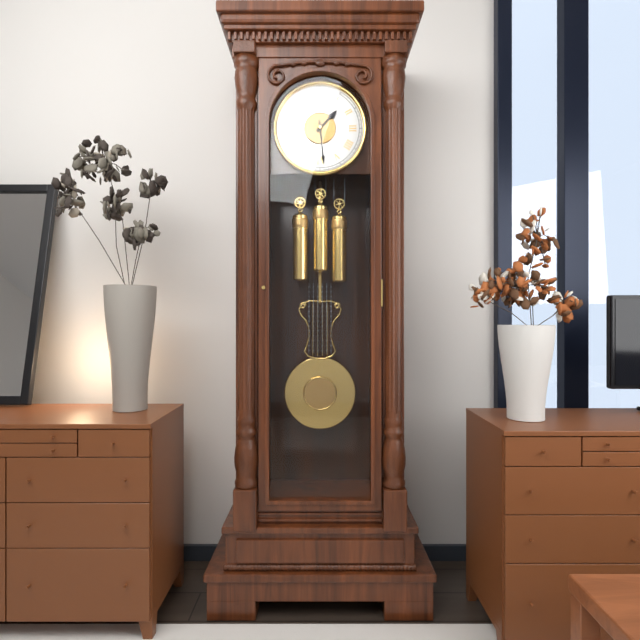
**1:29**
